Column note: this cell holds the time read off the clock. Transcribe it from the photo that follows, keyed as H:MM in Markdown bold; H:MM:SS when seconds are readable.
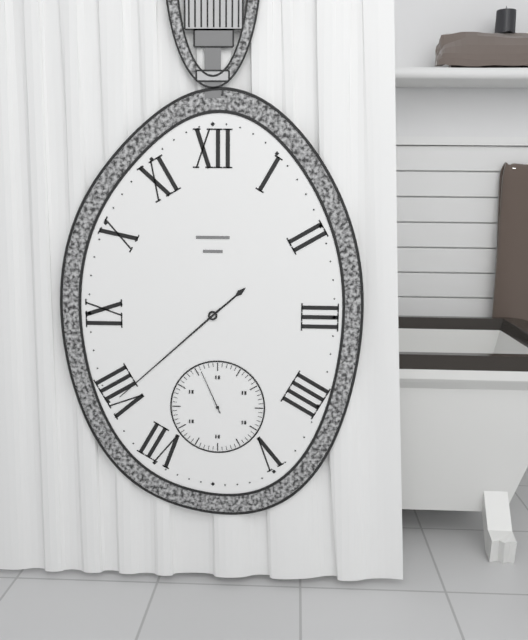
**1:38**
